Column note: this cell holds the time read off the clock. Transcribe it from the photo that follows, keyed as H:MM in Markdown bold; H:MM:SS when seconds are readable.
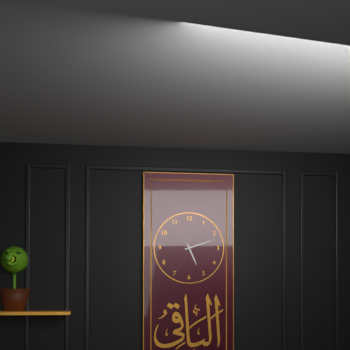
**5:12**
